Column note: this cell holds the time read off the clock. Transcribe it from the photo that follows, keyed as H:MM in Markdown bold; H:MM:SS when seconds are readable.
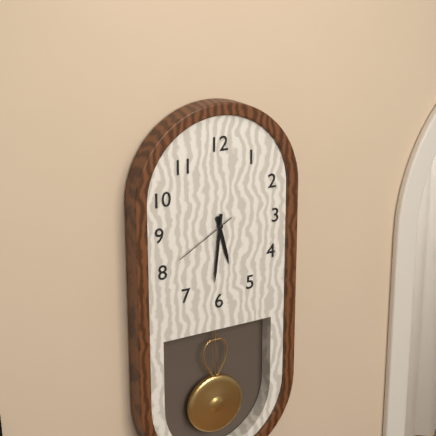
**5:31:40**
